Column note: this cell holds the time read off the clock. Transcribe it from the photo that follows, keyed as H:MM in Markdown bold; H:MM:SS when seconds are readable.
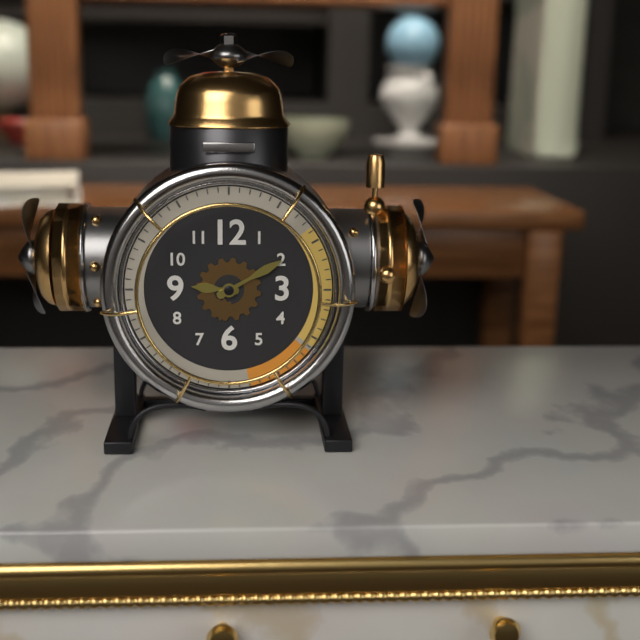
**9:10**
